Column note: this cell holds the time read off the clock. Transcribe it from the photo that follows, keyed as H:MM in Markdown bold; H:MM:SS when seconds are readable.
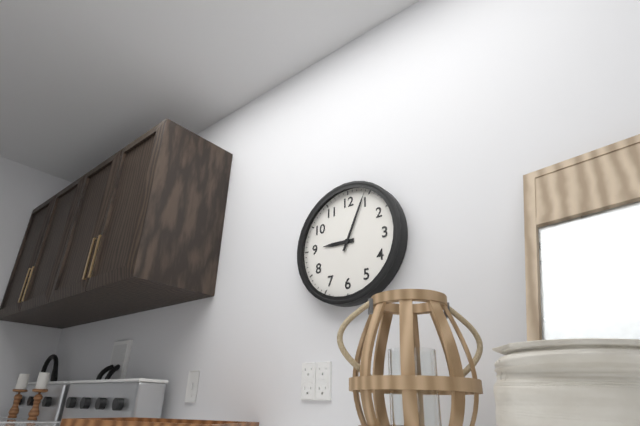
**9:04**
